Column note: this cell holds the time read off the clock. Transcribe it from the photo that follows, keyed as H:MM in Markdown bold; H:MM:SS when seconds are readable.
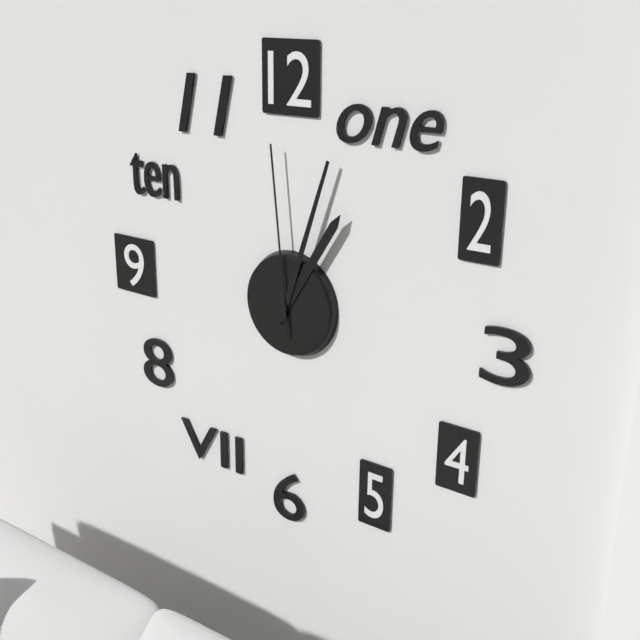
**1:03:59**
